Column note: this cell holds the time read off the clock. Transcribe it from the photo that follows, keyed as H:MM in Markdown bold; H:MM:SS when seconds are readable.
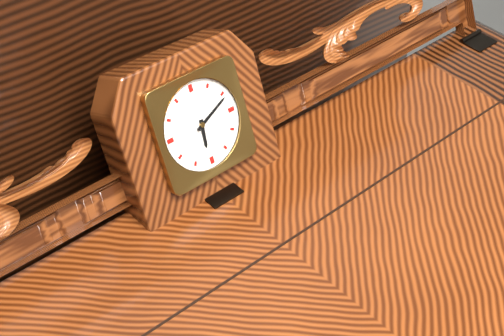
**6:11**
